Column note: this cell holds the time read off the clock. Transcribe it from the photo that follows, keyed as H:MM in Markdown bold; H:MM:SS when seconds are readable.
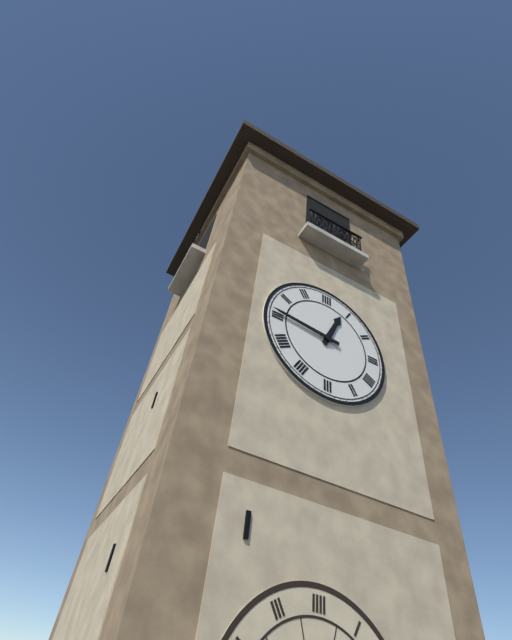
**12:46**
